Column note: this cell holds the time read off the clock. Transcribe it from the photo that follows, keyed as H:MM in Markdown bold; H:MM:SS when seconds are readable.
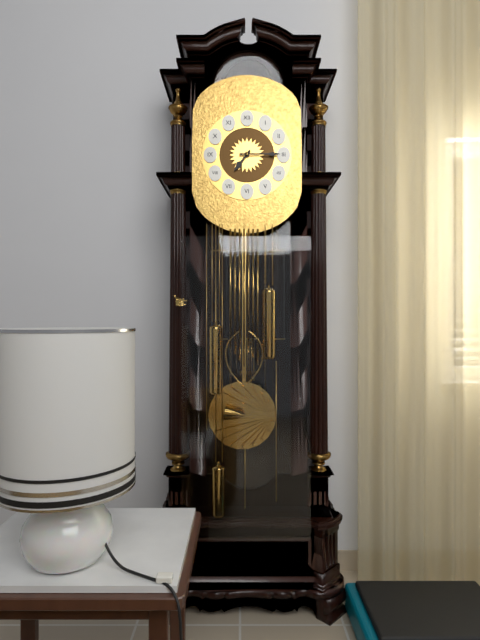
**7:15**
